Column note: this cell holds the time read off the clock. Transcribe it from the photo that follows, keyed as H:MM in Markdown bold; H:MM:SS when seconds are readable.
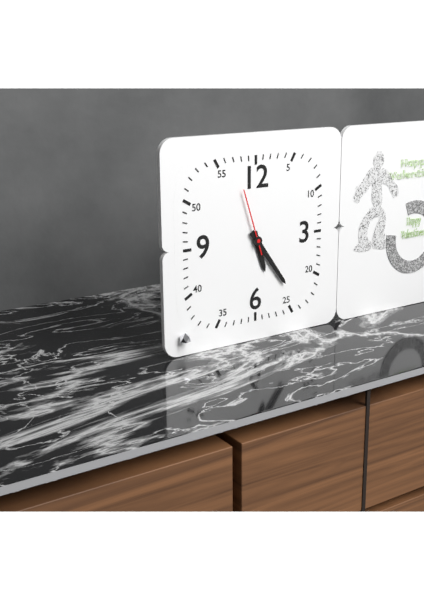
**5:24:57**
